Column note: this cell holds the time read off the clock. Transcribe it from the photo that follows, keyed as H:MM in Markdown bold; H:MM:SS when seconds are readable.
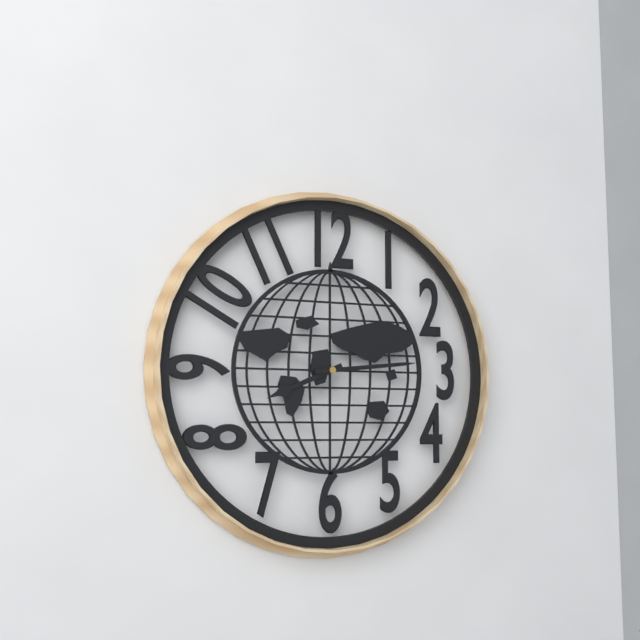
**8:14**
